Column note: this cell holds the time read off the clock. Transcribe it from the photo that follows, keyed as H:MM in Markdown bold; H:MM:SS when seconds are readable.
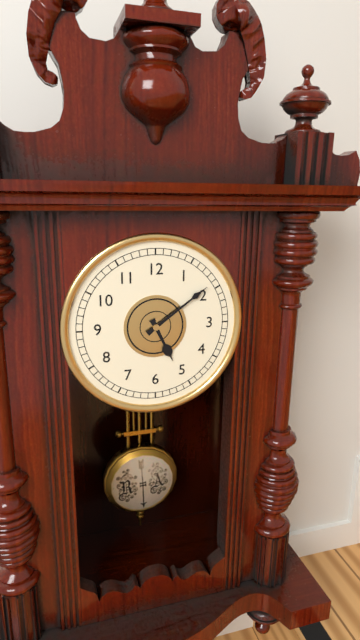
**5:09**
